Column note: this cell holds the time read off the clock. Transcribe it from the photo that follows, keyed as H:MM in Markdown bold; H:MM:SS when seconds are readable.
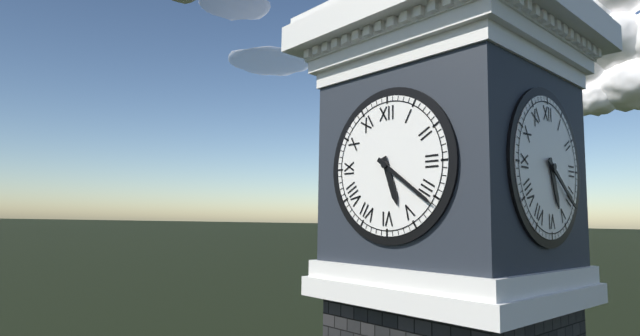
**5:21**
